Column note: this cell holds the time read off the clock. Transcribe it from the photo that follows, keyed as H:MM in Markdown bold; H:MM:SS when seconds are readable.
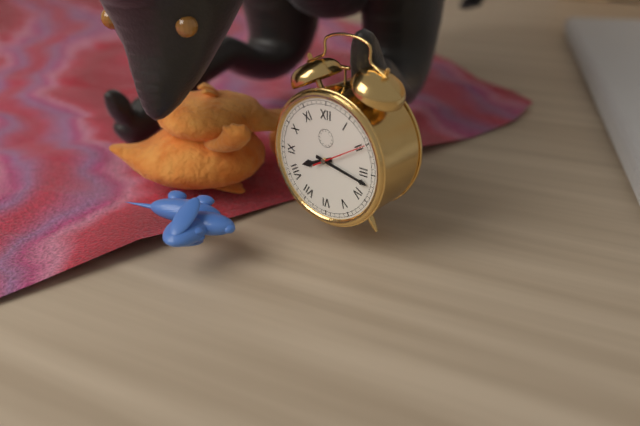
**8:17:10**
